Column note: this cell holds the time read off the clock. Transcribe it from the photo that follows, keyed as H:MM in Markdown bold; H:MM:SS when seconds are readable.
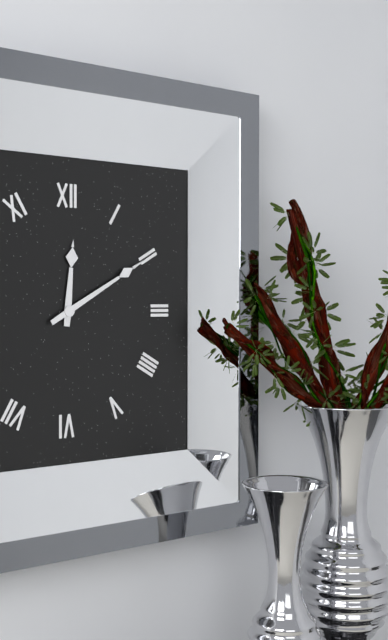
**12:10**
